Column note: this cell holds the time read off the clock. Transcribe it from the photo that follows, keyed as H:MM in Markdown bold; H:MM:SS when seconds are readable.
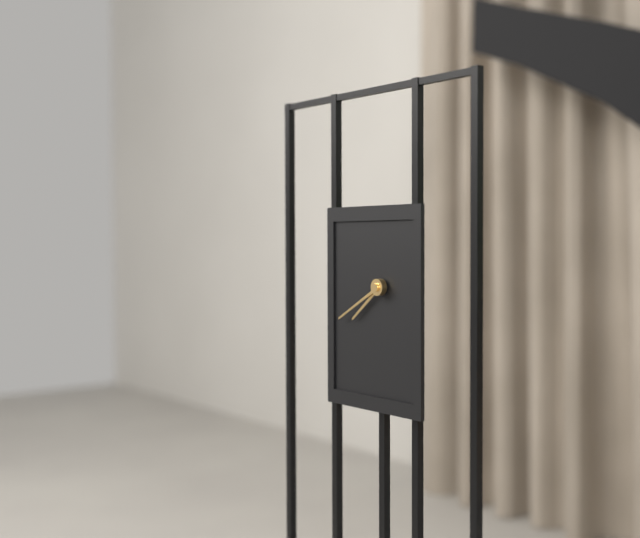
**7:40**
